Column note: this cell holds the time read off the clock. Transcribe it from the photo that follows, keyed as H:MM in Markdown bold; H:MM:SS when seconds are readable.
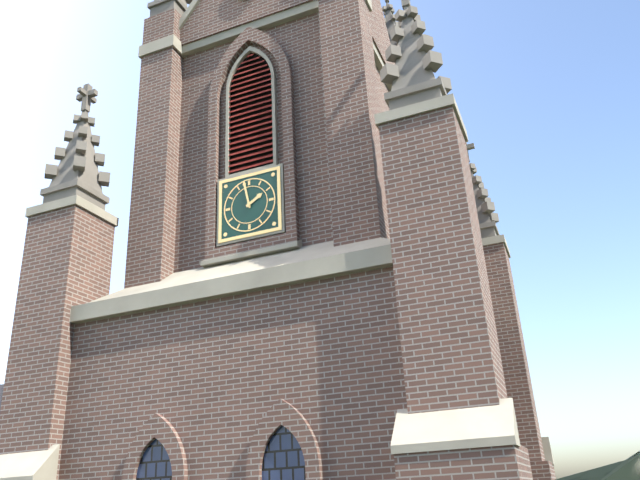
**1:58**
